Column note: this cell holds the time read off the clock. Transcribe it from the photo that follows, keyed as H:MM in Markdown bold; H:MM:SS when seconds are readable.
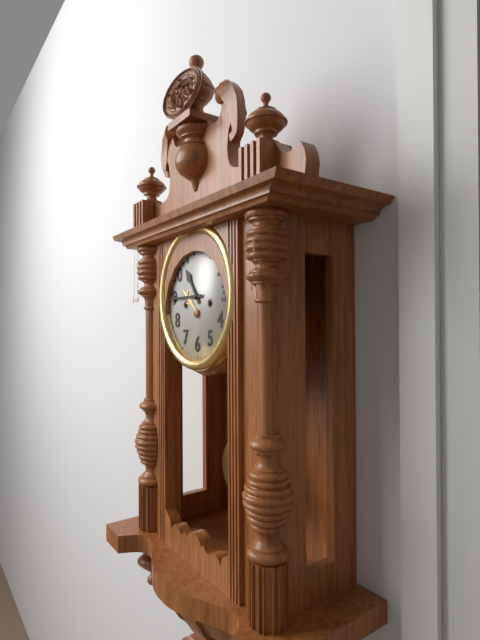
**10:45**
